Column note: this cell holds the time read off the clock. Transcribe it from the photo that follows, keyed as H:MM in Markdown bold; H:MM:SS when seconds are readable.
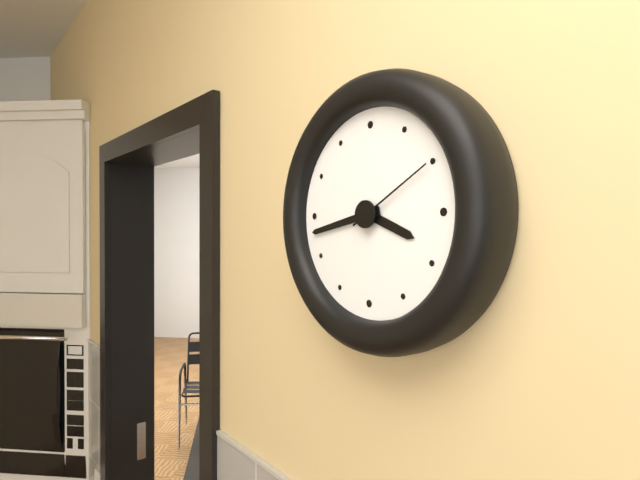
**3:43:10**
